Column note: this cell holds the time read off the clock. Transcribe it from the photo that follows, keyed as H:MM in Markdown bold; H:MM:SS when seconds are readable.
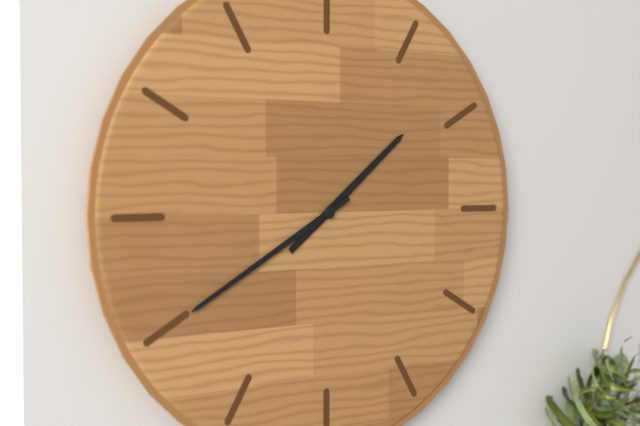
**1:40**
